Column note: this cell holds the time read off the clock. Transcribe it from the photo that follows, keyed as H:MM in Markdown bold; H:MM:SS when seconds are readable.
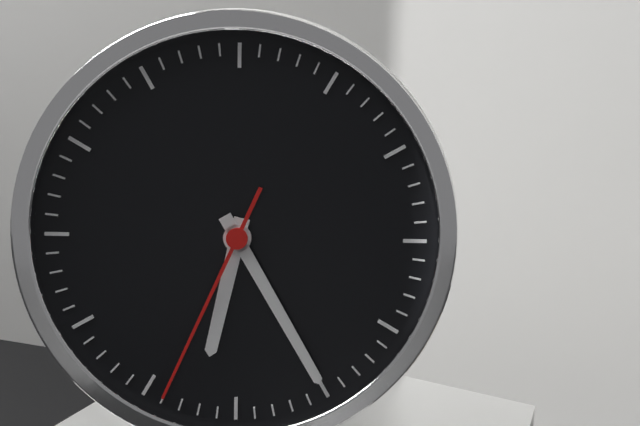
**6:25:34**
